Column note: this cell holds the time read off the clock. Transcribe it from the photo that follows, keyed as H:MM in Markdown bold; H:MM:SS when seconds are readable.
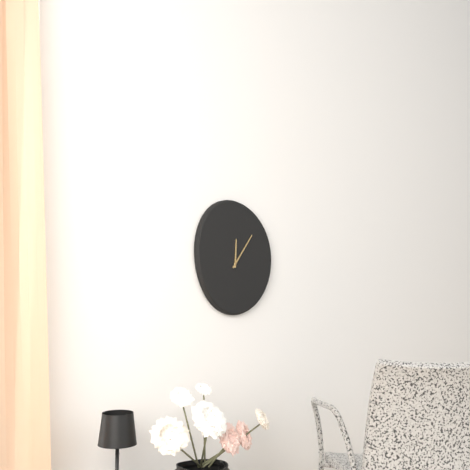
**12:06**
